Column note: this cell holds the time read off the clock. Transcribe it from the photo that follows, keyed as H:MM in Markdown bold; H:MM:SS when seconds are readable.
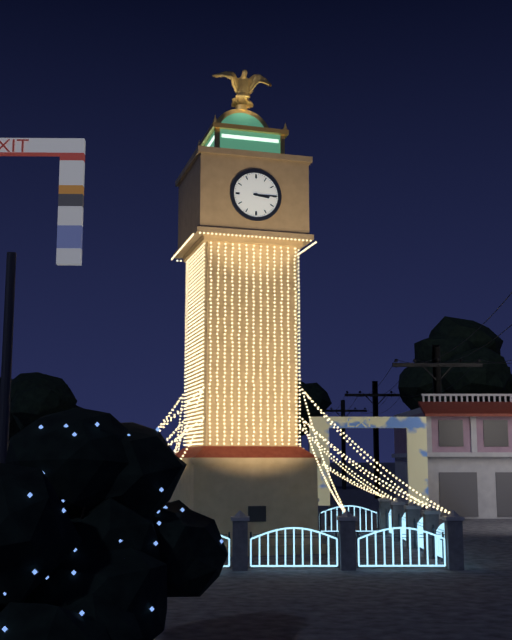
**3:15**
